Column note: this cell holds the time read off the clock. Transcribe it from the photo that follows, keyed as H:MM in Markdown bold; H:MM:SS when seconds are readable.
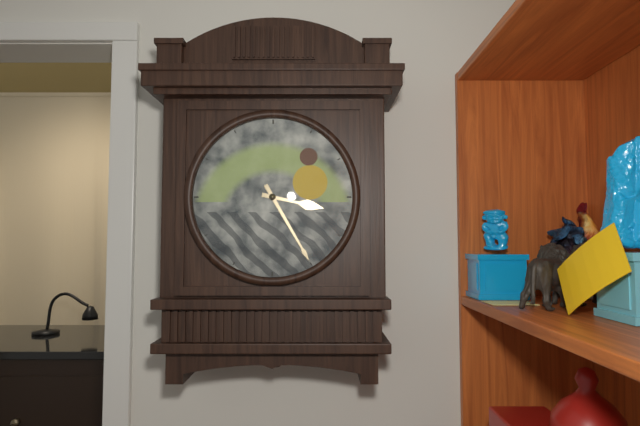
**3:25**
